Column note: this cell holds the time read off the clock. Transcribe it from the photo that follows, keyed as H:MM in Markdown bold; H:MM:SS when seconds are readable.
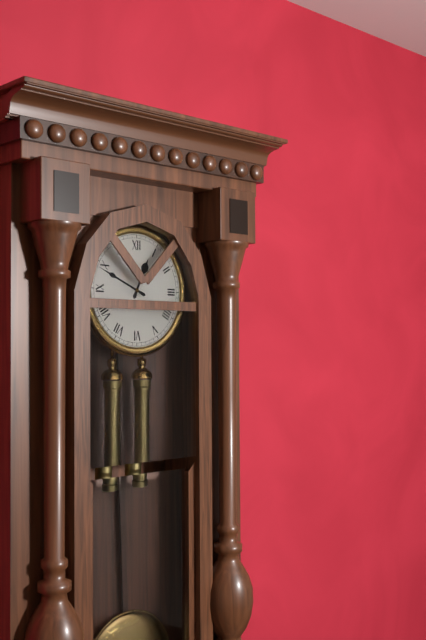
**12:49**
